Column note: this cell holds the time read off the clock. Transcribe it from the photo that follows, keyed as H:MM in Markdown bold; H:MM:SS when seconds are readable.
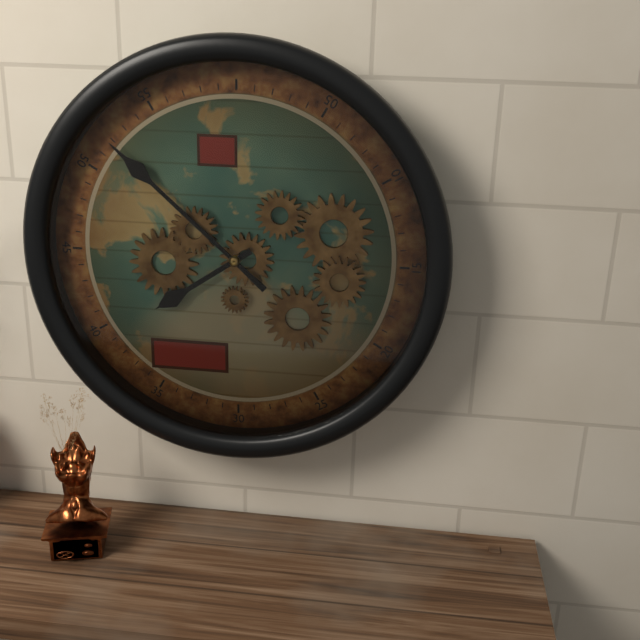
**7:52**
